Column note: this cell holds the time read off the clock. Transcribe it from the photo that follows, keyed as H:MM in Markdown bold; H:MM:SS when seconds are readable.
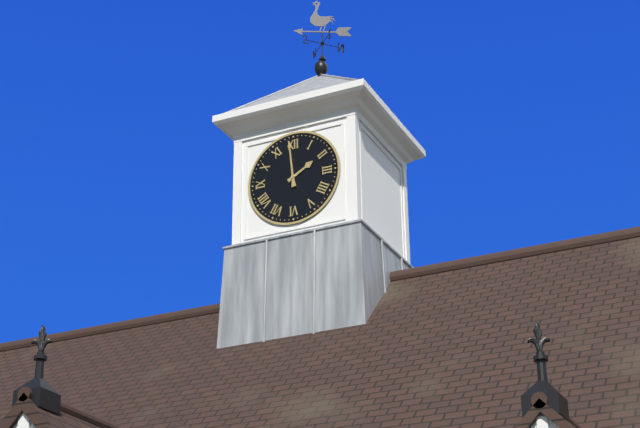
**1:59**
